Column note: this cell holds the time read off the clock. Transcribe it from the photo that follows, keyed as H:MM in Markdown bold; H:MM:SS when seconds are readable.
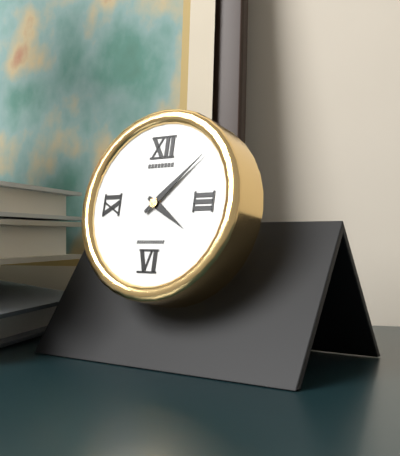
**4:08**
